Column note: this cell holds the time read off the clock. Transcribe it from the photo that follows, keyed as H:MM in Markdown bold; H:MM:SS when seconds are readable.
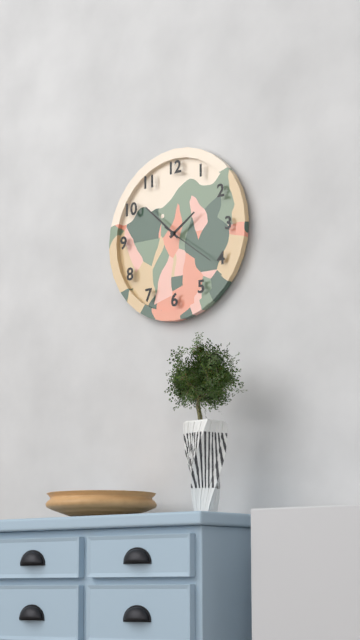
**1:52:21**
